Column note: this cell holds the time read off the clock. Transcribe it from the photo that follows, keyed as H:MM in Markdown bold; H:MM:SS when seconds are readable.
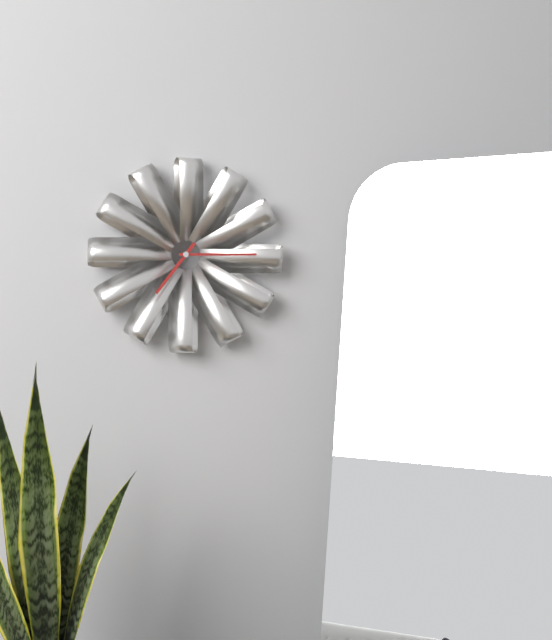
**7:15**
